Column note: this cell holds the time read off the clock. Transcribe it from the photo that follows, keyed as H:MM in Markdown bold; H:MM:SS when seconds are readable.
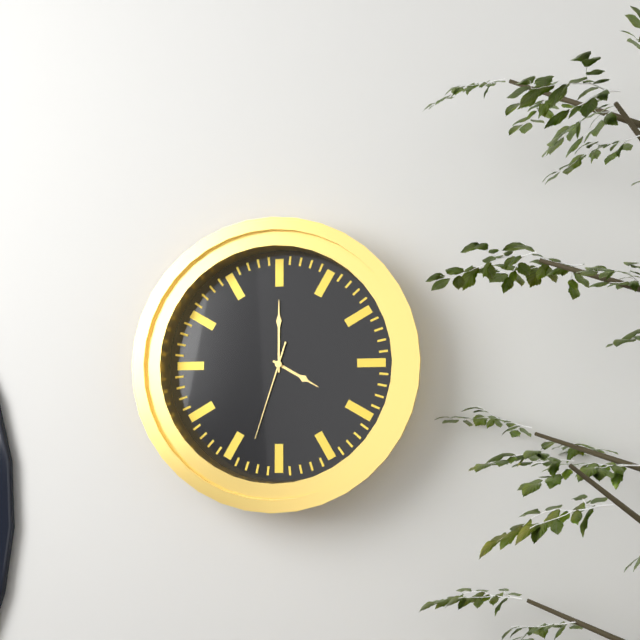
**4:00:33**
